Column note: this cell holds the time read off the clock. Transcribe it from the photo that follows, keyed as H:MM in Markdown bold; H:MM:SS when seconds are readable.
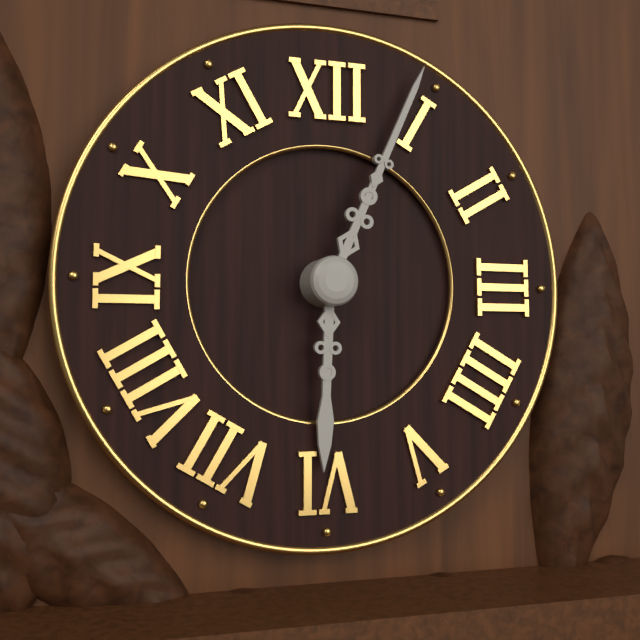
**6:04**
